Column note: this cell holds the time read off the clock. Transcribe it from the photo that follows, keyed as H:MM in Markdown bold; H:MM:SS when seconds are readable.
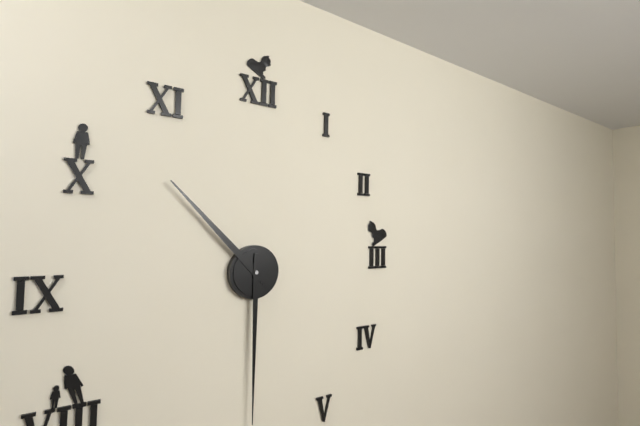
**10:30**
